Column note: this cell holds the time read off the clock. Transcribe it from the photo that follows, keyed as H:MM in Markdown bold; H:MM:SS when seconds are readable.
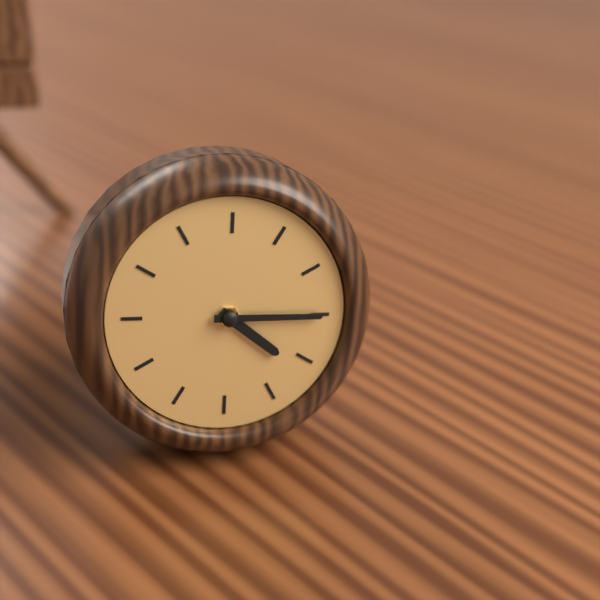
**4:15**
